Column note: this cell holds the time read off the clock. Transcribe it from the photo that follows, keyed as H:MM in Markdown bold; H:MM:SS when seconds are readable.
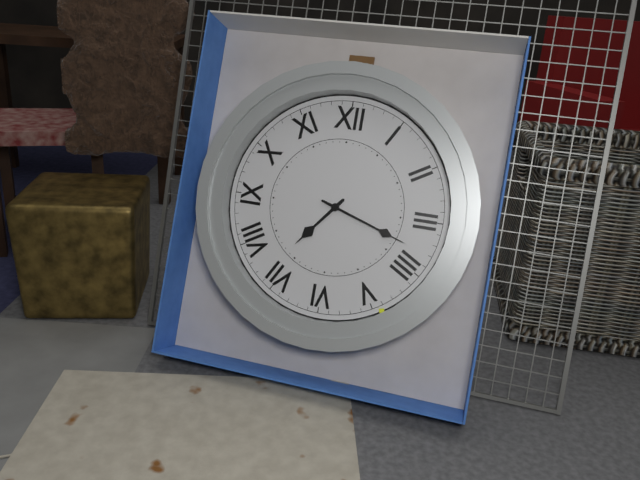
**7:18**
